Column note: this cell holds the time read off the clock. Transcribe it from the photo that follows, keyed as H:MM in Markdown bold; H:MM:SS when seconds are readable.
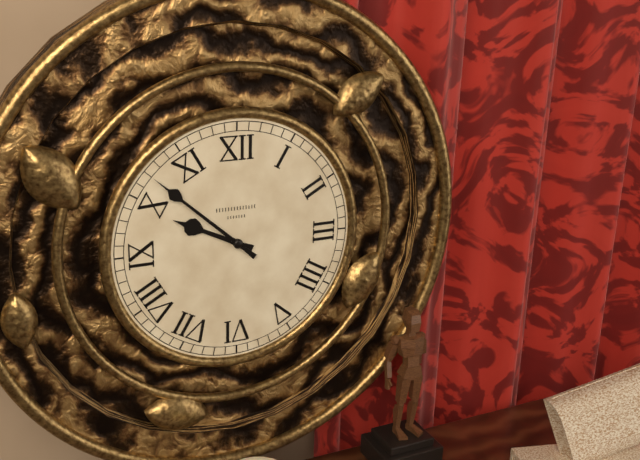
**9:52**
